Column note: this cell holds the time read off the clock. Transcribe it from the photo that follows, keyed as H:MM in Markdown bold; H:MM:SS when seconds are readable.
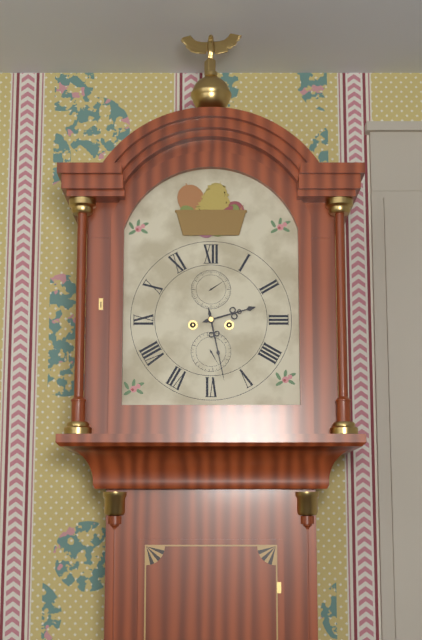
**2:28**
